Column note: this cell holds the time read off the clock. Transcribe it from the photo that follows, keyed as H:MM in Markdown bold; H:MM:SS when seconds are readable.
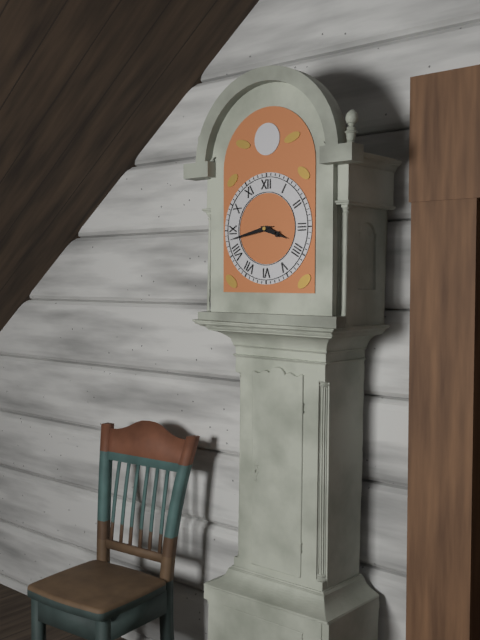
**3:43**
